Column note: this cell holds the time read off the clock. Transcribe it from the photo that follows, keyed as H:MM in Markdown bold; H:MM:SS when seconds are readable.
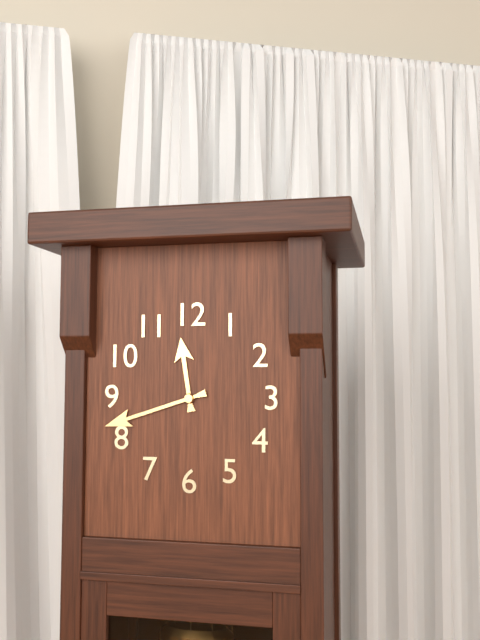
**11:42**
